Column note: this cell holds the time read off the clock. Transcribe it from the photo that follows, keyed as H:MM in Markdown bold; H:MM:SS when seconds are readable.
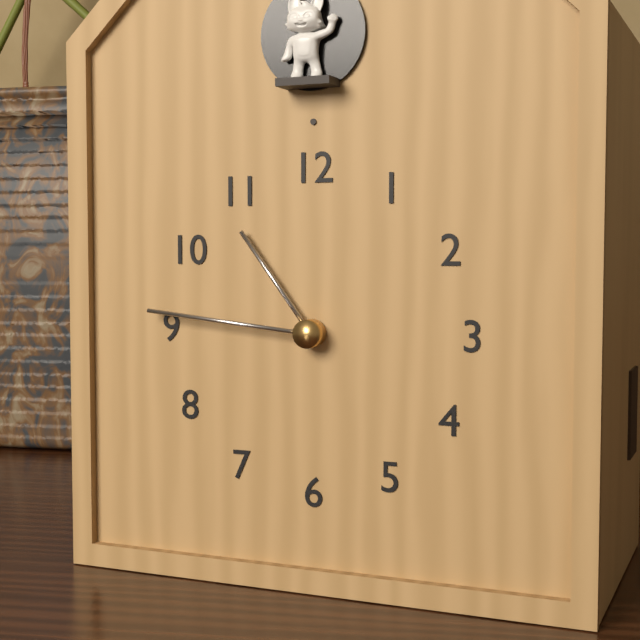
**10:46**
